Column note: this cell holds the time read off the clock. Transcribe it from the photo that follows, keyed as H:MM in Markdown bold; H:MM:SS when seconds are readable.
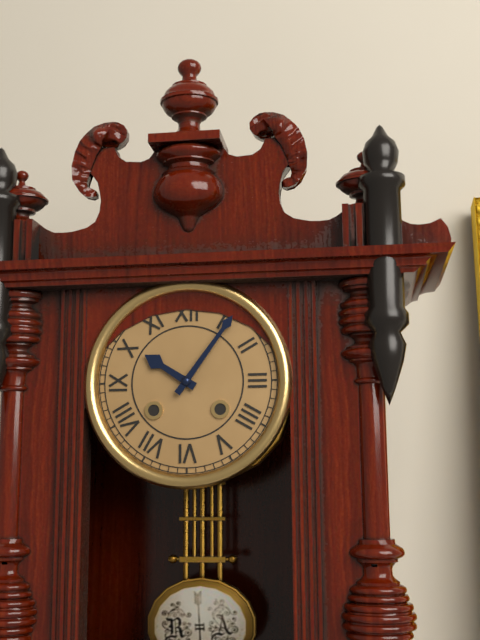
**10:06**
